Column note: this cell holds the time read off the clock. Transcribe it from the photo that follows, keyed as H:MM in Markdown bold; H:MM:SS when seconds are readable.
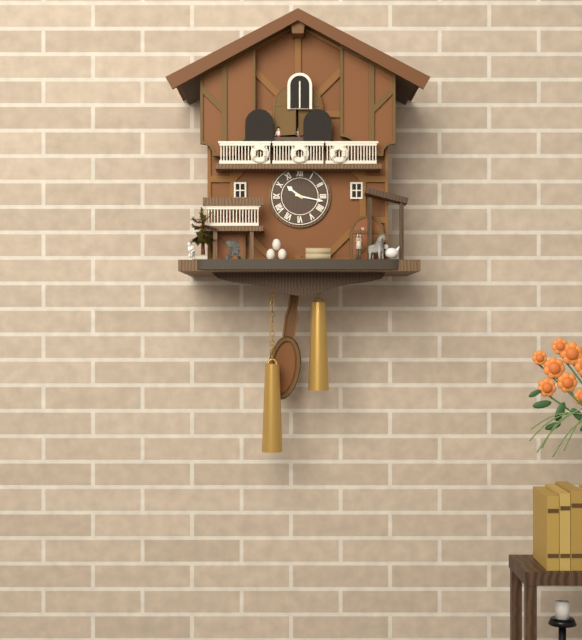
**10:17**
